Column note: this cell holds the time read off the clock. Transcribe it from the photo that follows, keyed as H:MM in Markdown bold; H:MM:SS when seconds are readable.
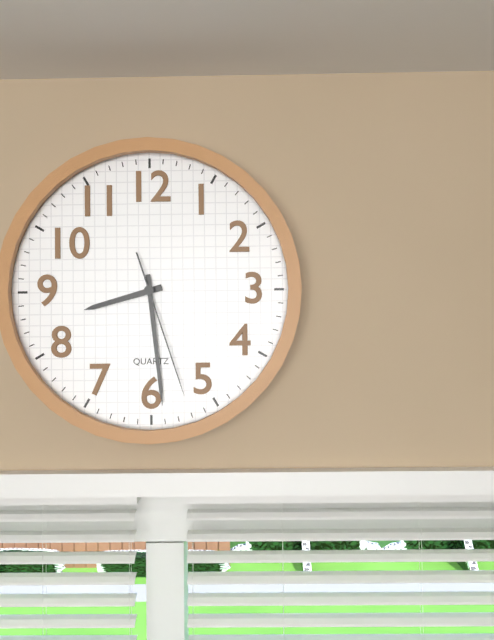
**8:29:27**
